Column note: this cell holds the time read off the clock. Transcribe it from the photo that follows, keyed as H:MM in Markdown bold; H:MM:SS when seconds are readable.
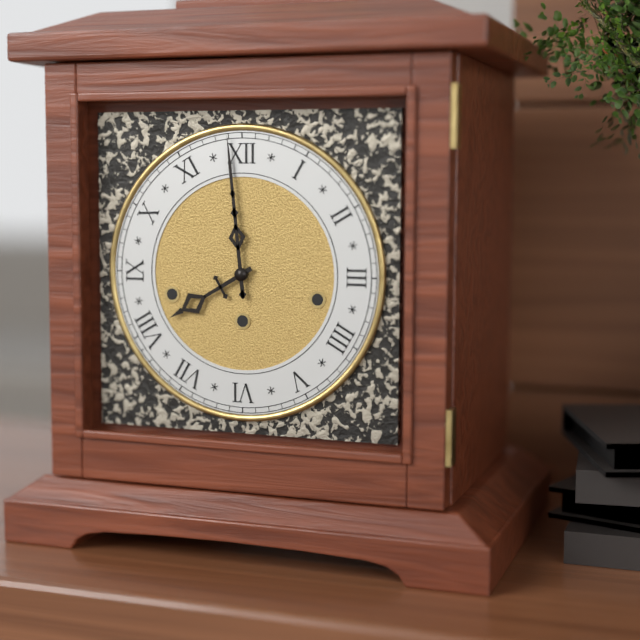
**7:59**
